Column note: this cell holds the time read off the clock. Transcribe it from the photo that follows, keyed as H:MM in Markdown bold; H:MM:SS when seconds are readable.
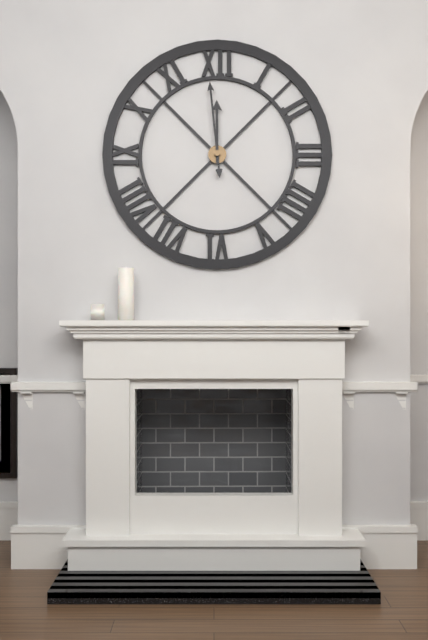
**11:59**
